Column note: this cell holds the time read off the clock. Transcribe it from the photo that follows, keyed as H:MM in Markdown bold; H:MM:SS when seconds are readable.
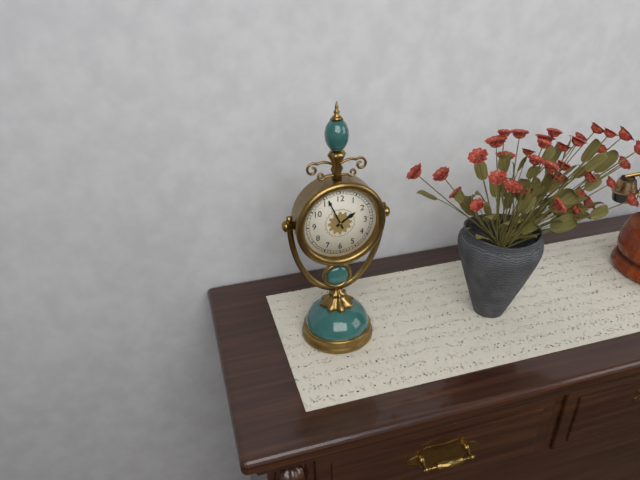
**1:56**
